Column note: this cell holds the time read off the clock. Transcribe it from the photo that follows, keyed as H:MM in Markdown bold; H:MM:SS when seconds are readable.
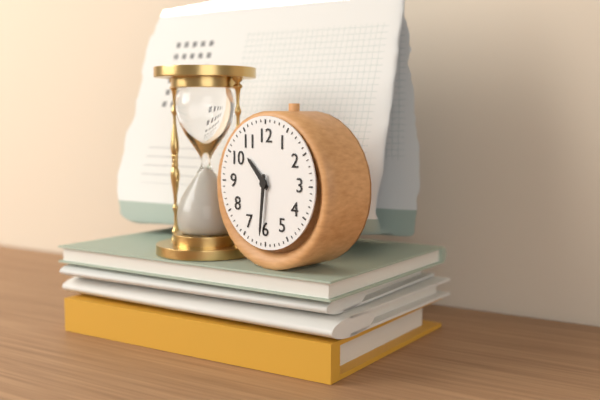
**10:31**
